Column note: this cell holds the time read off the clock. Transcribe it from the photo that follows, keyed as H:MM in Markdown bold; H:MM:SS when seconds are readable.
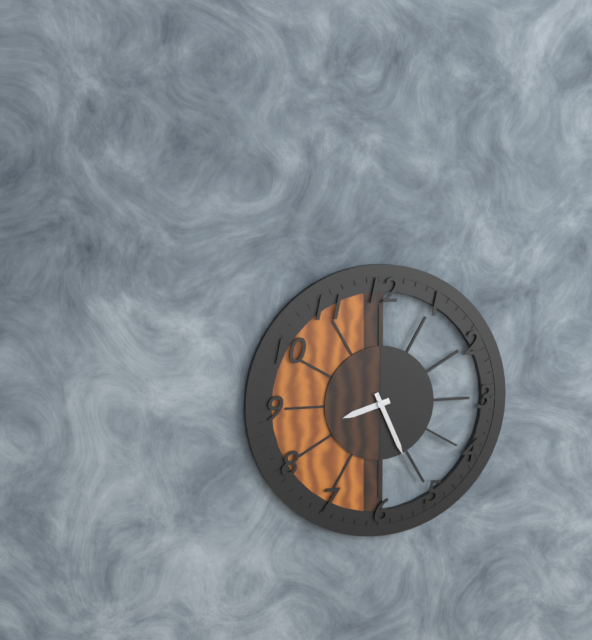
**8:26**
